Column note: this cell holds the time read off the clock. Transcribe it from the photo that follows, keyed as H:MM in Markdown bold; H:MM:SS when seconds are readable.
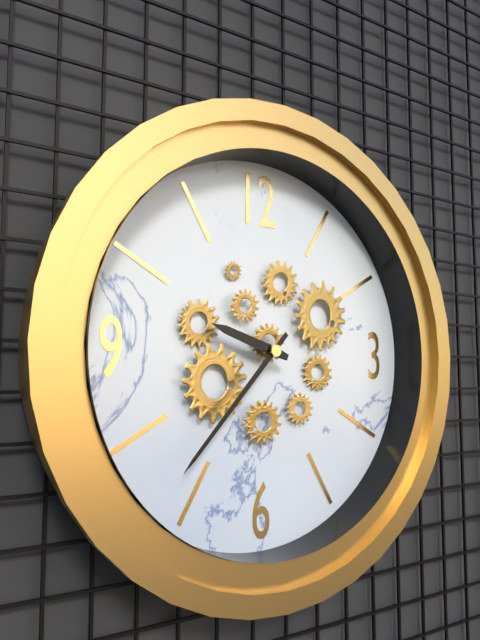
**9:37**
